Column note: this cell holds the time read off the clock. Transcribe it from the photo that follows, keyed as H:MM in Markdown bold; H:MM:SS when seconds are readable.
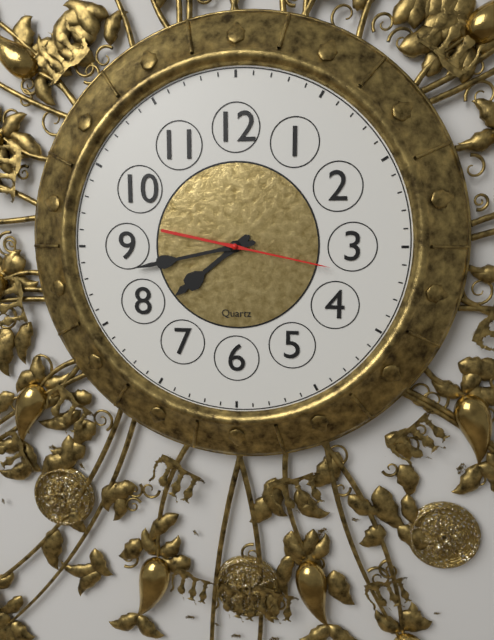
**7:43:17**
